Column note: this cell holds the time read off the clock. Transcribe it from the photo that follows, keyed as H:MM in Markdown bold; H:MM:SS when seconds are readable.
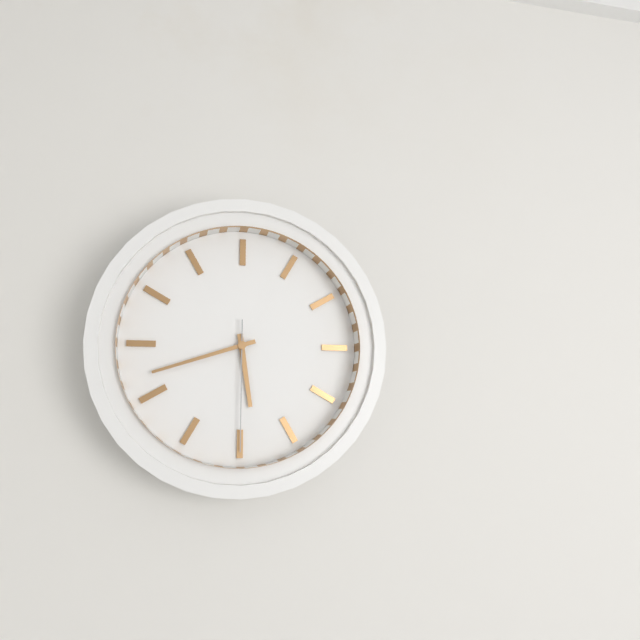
**5:42:30**
